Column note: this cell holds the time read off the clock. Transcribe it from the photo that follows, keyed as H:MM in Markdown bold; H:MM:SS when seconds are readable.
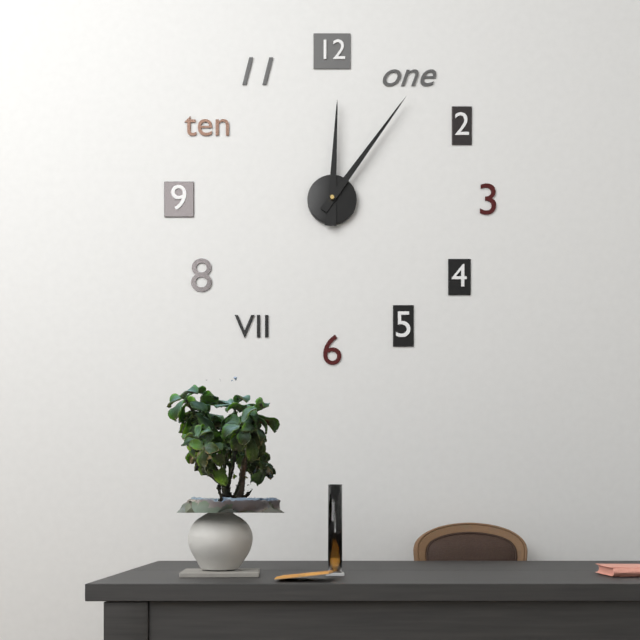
**12:06**
